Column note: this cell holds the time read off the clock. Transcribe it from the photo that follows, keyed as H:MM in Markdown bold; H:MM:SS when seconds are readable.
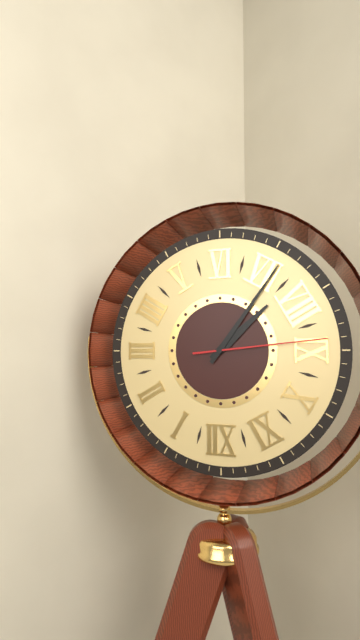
**7:36:44**
